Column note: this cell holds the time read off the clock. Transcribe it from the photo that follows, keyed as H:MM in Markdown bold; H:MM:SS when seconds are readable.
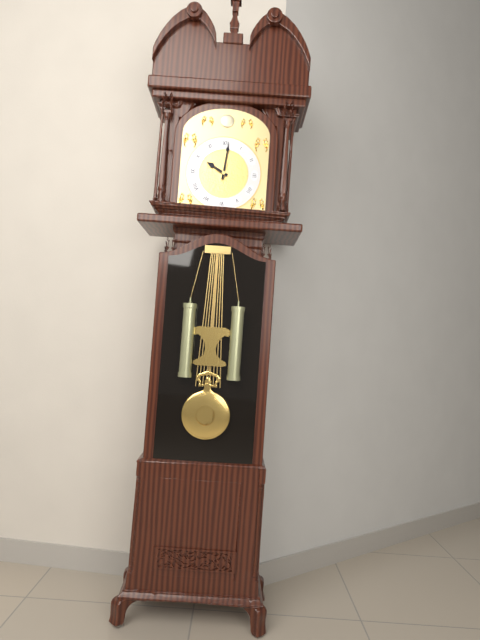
**10:01**
